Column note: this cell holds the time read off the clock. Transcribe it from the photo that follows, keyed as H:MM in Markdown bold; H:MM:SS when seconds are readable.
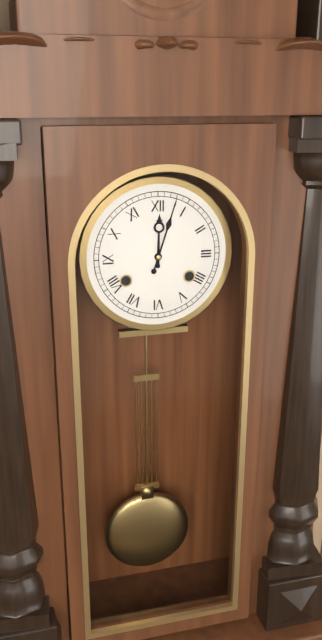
**12:03**
